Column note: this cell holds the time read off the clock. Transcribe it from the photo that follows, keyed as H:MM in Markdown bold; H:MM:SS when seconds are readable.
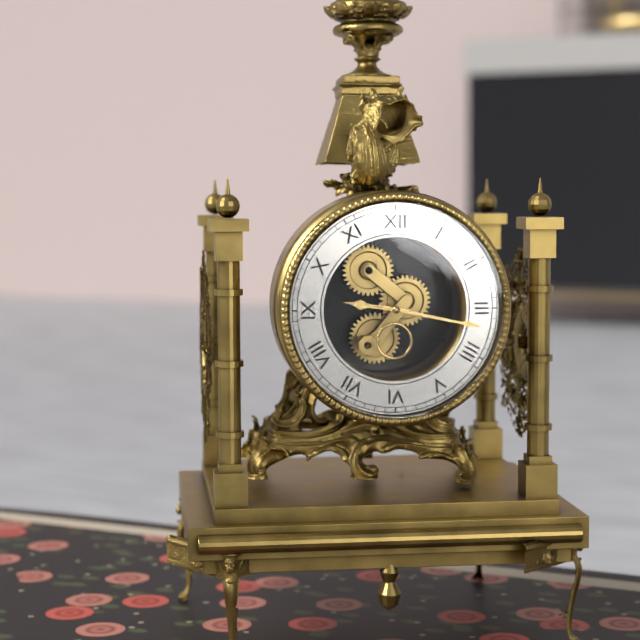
**9:17**
